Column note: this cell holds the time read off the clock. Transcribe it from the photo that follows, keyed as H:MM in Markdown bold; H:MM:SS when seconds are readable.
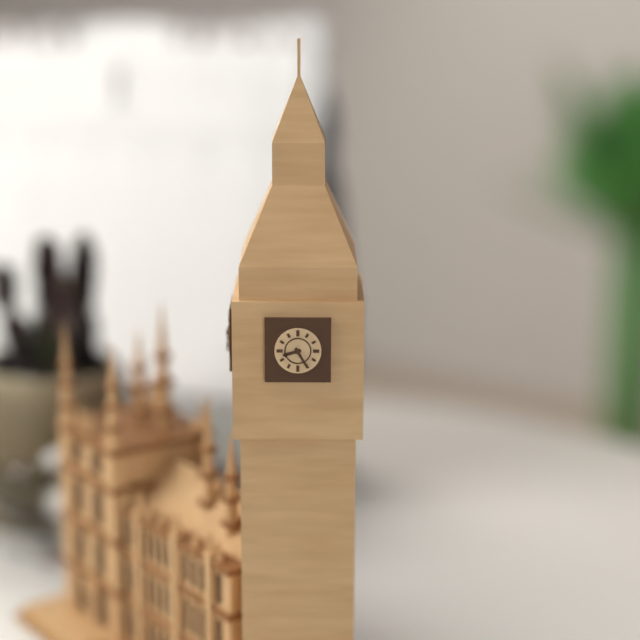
**8:25**
